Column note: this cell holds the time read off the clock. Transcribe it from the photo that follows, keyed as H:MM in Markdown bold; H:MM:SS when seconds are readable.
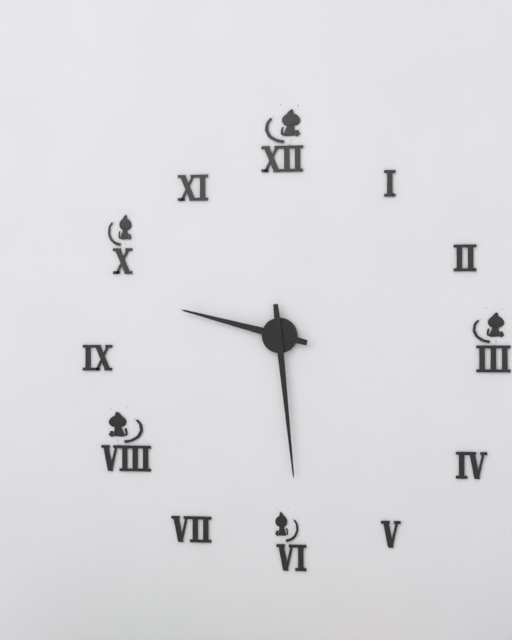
**9:29**
